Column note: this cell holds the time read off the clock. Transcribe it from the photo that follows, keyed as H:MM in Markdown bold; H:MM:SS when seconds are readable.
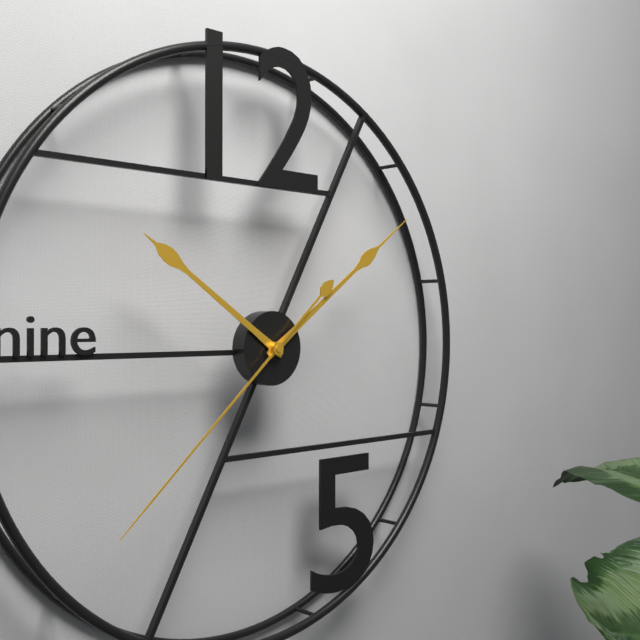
**10:09:38**
